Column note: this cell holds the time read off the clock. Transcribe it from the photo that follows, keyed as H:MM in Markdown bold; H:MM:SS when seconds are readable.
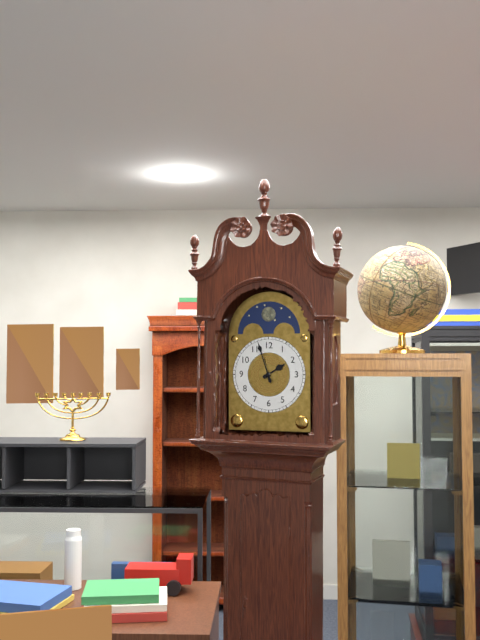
**1:57**
